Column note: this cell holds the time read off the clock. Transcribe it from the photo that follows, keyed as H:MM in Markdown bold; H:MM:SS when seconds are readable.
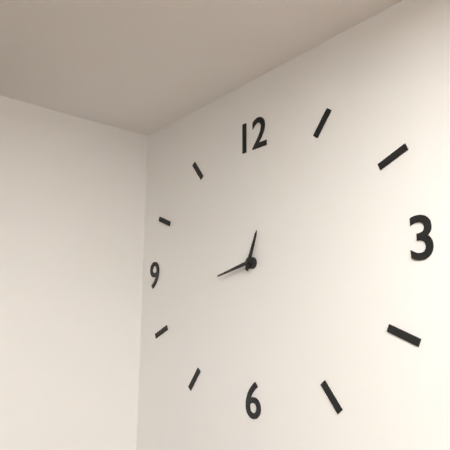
**12:43**
